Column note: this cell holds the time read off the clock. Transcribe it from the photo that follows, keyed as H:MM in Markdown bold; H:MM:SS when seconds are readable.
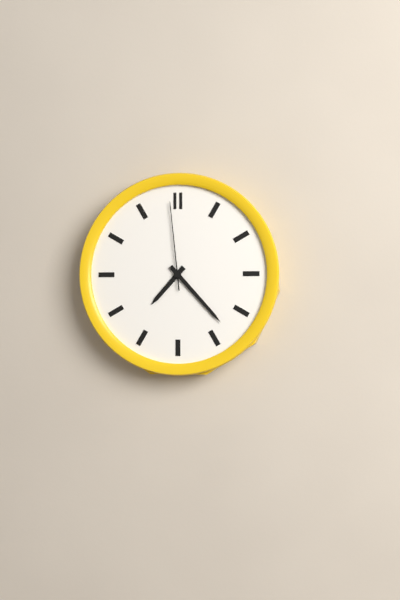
**7:23:59**
